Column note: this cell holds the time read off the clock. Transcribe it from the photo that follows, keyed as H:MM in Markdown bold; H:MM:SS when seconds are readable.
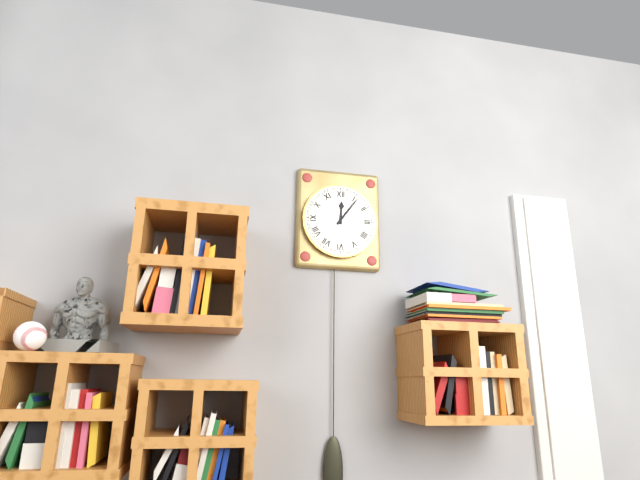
**12:06**
